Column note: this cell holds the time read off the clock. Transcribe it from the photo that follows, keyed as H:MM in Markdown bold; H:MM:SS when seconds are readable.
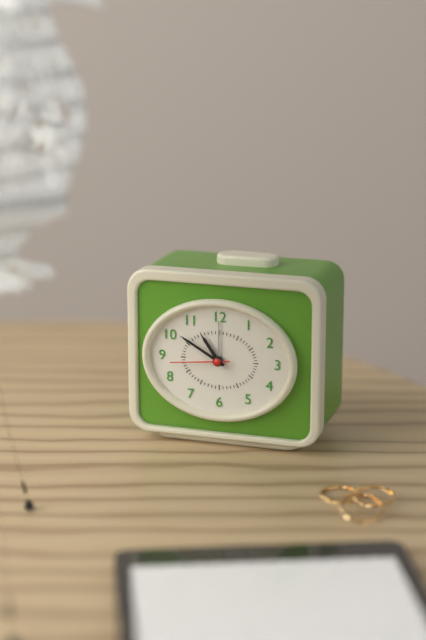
**10:50:44**
